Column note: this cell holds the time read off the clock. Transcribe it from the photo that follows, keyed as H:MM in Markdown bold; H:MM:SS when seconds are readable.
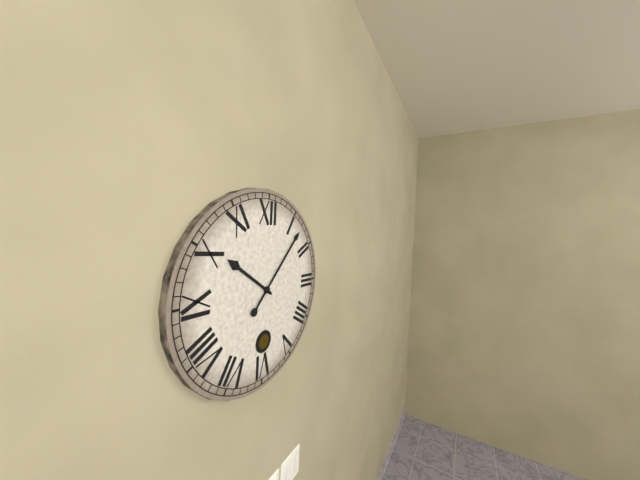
**10:07**
